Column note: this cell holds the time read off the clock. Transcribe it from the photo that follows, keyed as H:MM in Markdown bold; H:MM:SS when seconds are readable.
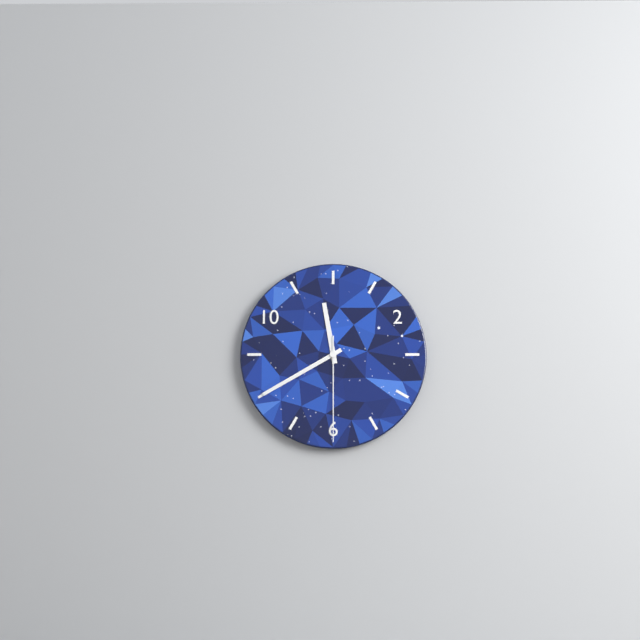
**11:40:30**
